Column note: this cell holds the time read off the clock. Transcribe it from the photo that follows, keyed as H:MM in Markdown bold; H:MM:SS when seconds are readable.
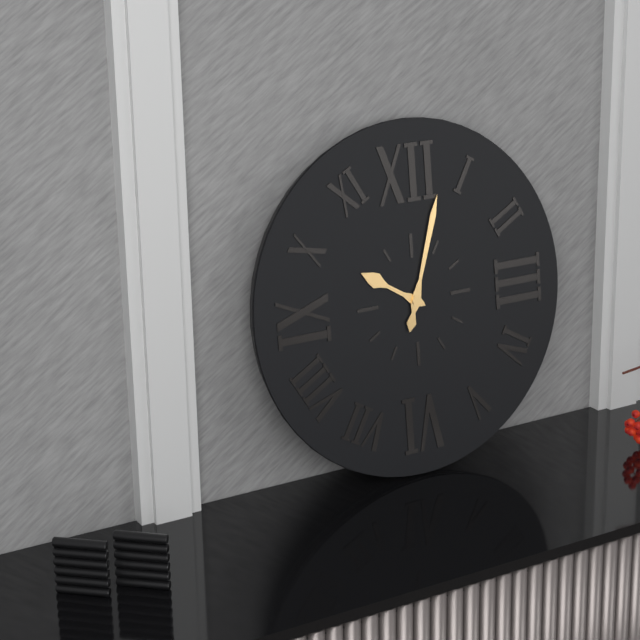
**10:03**
